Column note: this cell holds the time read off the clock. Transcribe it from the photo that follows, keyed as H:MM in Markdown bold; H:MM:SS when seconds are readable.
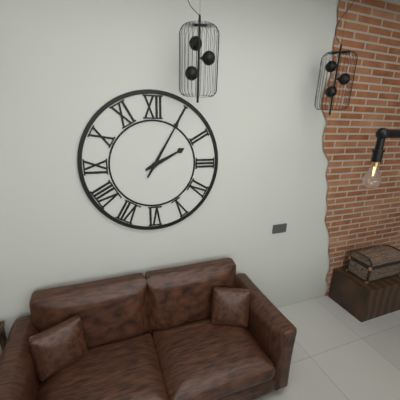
**2:05**
